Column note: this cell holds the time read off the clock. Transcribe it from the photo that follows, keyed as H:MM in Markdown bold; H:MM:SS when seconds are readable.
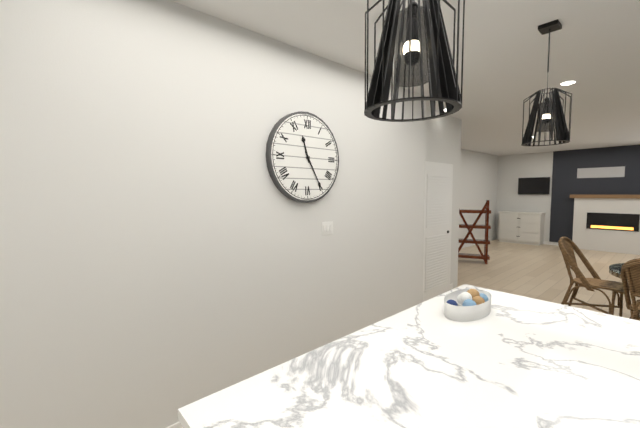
**11:25**
